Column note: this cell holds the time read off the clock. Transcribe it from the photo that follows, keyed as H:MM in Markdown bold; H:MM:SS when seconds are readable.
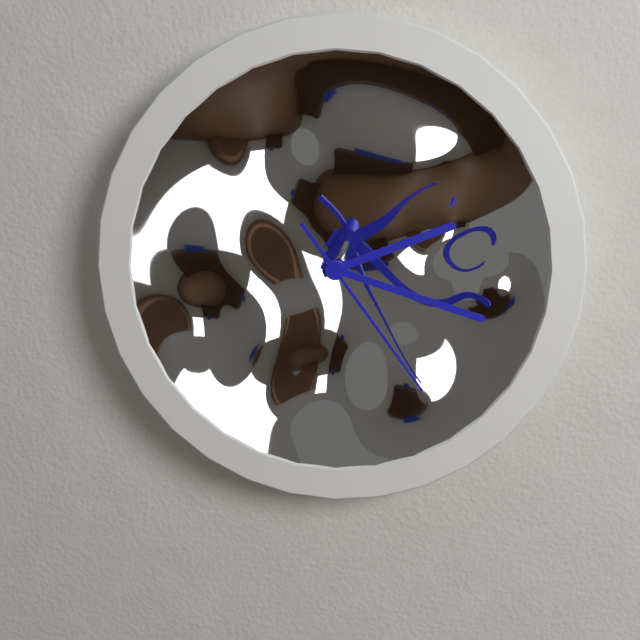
**2:18:24**
